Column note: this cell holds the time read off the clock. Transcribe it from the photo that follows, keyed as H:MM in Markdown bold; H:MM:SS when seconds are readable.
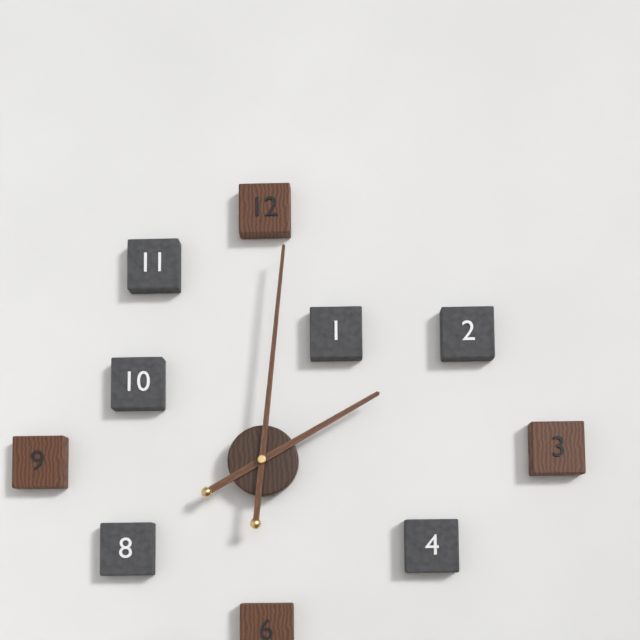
**2:01**
